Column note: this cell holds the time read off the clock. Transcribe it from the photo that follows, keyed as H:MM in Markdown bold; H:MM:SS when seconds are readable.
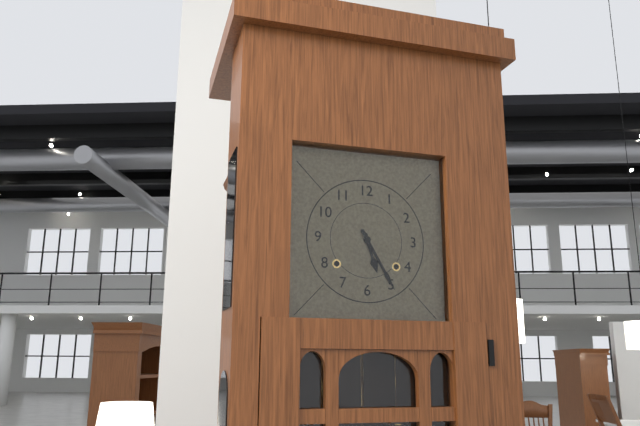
**5:25**
